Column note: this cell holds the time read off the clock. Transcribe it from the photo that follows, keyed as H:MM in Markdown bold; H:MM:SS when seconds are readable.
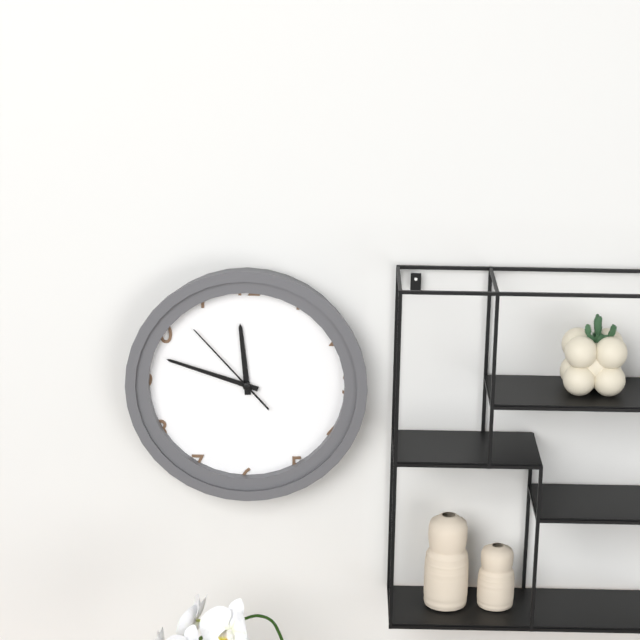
**11:48:53**
